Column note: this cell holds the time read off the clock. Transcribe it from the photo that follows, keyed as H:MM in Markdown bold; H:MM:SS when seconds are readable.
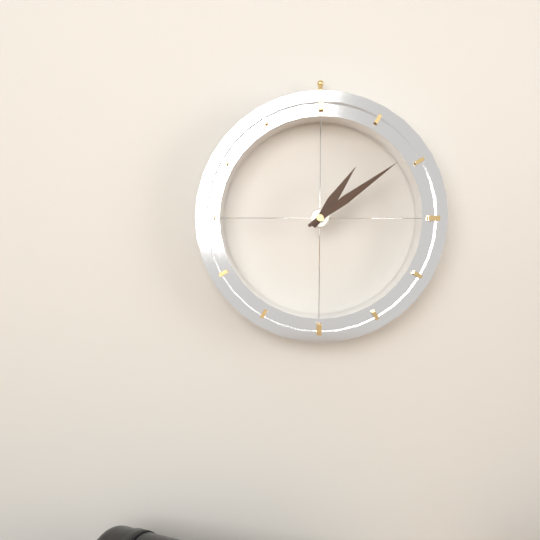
**1:09**
